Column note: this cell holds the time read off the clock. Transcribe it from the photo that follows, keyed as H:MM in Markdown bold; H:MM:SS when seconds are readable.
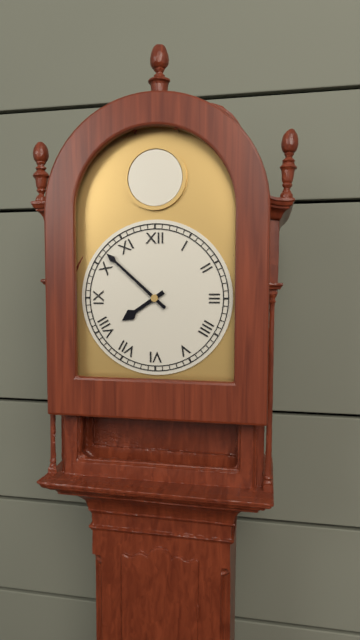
**7:52**
